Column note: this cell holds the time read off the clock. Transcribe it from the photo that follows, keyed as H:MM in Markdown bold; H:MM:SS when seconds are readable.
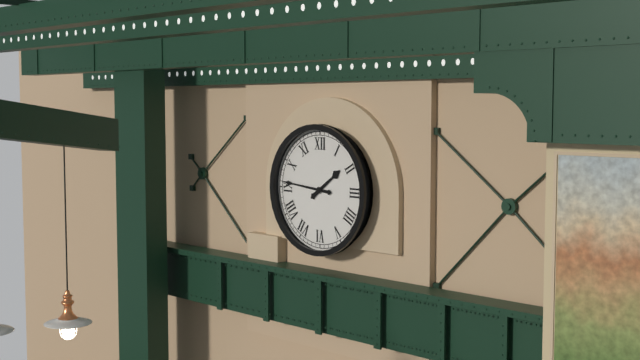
**1:46**
